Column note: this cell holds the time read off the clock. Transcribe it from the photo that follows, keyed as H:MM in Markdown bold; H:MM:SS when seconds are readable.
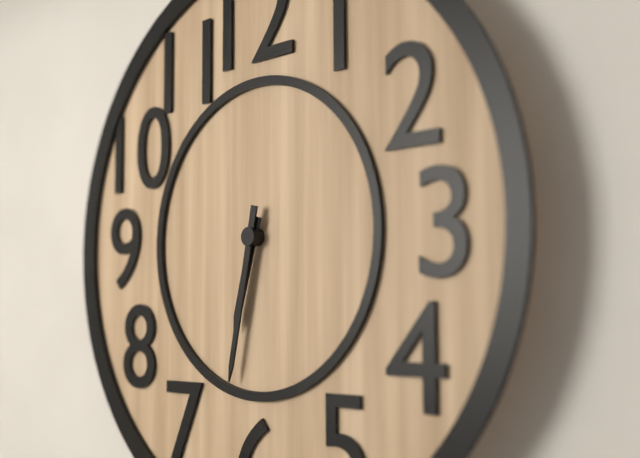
**6:32**
